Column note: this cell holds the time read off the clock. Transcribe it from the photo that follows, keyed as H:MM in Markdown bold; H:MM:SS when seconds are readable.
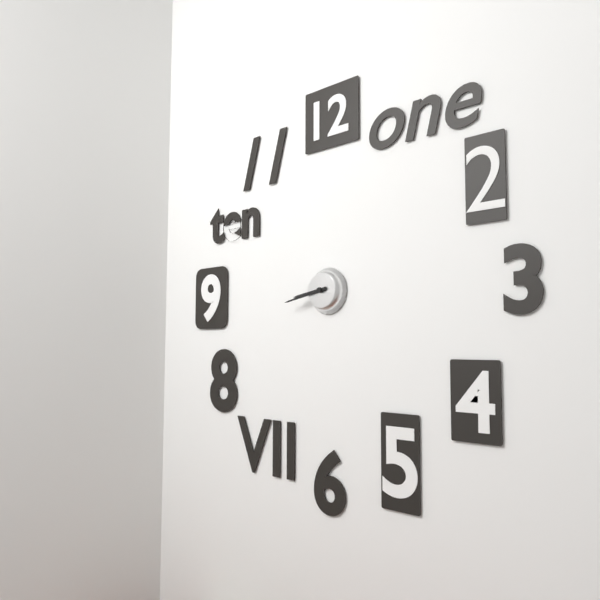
**8:43**
